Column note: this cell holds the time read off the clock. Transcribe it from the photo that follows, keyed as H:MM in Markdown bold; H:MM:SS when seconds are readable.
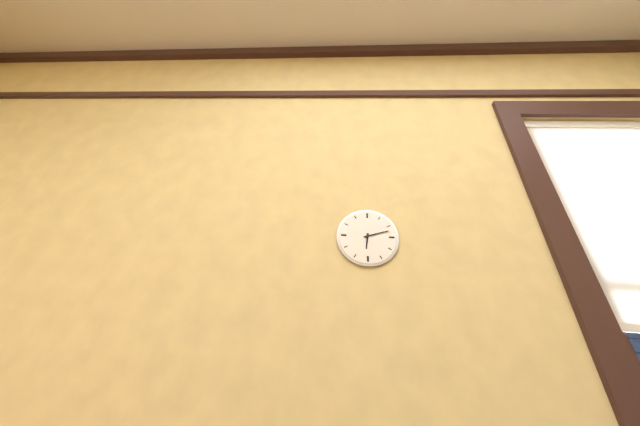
**6:12**
